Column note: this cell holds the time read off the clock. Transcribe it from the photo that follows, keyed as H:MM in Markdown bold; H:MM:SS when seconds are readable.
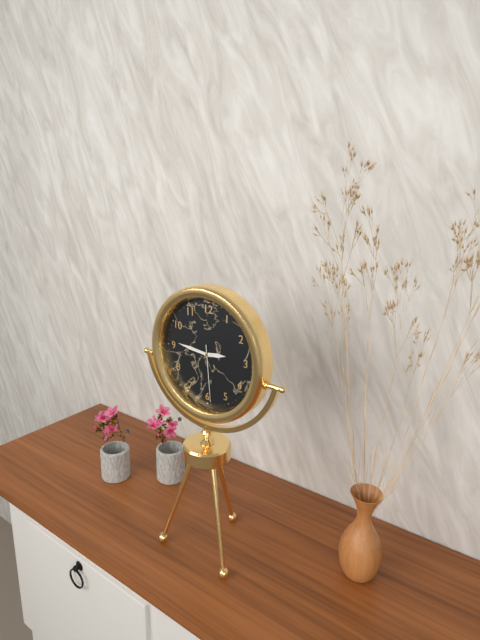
**2:46:29**
